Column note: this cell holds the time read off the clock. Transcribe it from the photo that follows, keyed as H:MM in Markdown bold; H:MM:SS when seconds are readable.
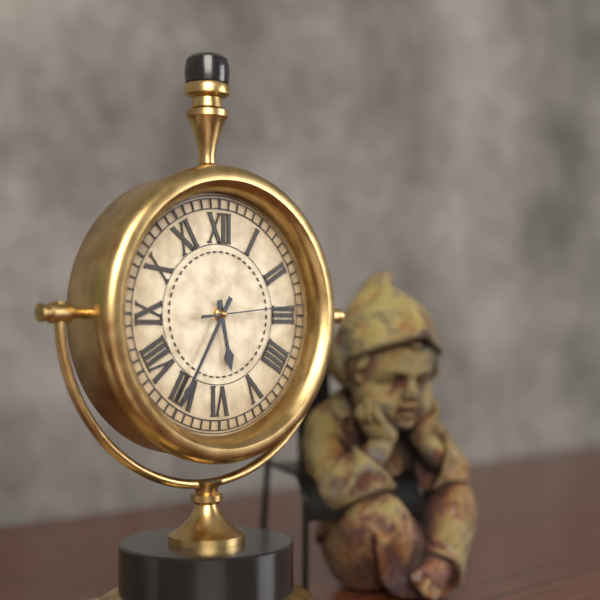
**5:35:14**
